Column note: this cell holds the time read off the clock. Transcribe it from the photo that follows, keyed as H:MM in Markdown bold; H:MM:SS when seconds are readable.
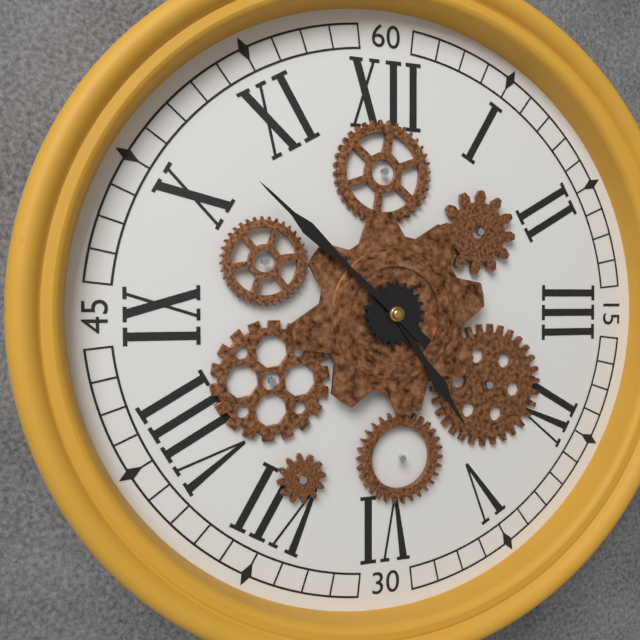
**4:52**
